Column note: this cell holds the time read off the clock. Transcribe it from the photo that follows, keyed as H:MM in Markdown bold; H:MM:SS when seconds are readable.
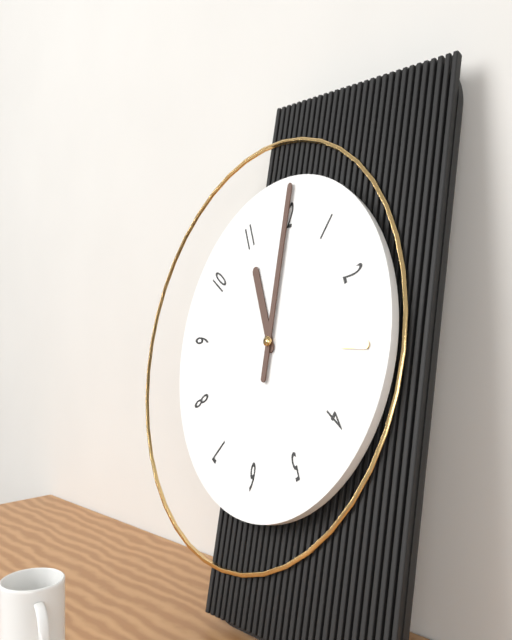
**11:00**
